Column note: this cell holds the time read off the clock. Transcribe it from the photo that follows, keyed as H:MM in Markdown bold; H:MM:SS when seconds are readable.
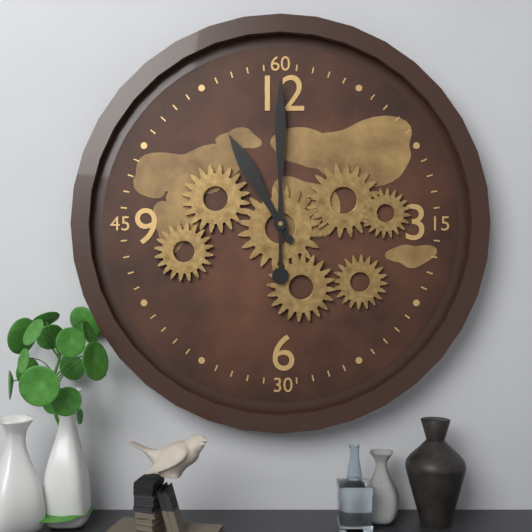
**11:00**
